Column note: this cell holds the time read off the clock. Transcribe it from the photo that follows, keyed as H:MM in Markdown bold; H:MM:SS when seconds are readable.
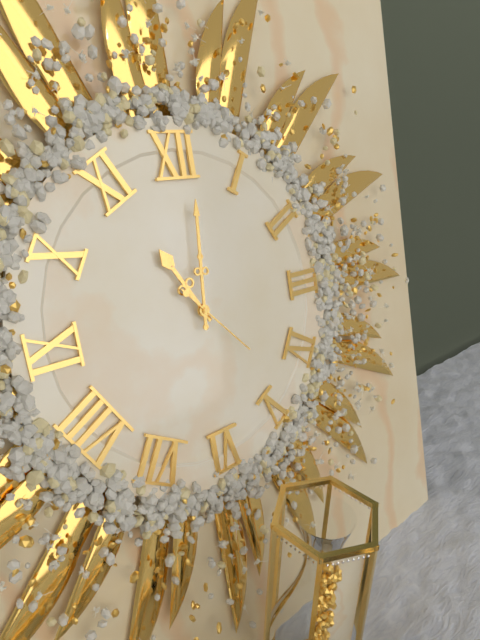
**11:01:23**
